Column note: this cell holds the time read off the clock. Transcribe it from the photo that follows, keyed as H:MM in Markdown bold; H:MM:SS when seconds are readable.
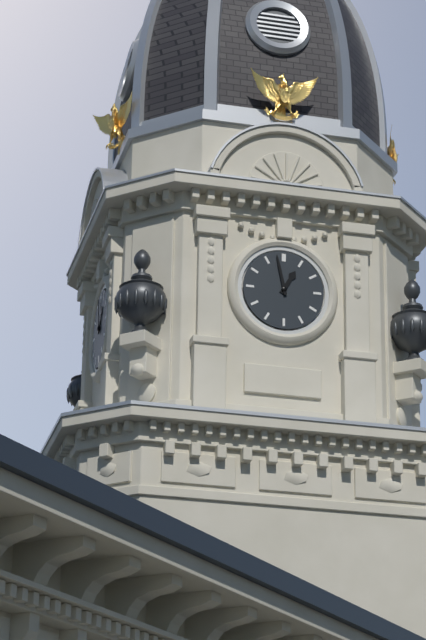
**12:58**
